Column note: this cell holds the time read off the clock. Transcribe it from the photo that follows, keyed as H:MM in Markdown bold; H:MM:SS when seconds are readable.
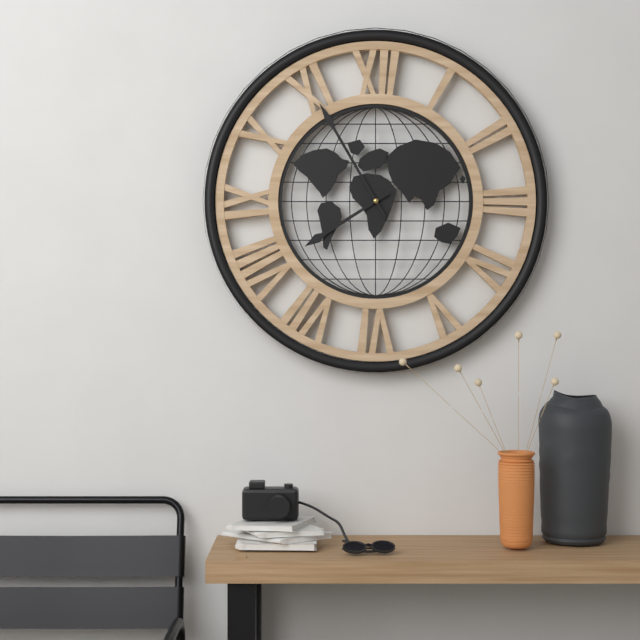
**7:55**
